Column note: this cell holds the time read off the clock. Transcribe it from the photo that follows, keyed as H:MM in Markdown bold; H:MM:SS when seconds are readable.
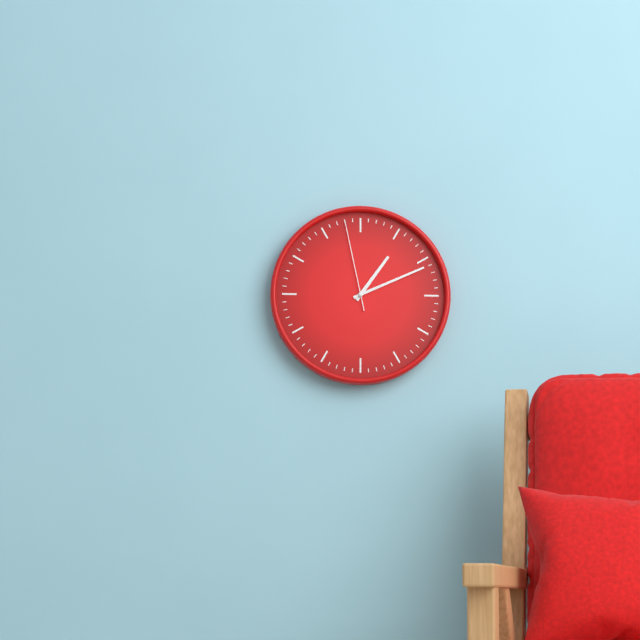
**1:11:58**
